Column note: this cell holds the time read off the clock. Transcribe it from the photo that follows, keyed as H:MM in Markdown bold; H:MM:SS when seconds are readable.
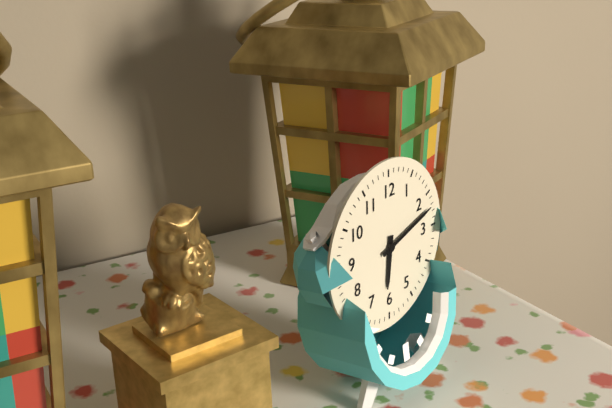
**6:12**
